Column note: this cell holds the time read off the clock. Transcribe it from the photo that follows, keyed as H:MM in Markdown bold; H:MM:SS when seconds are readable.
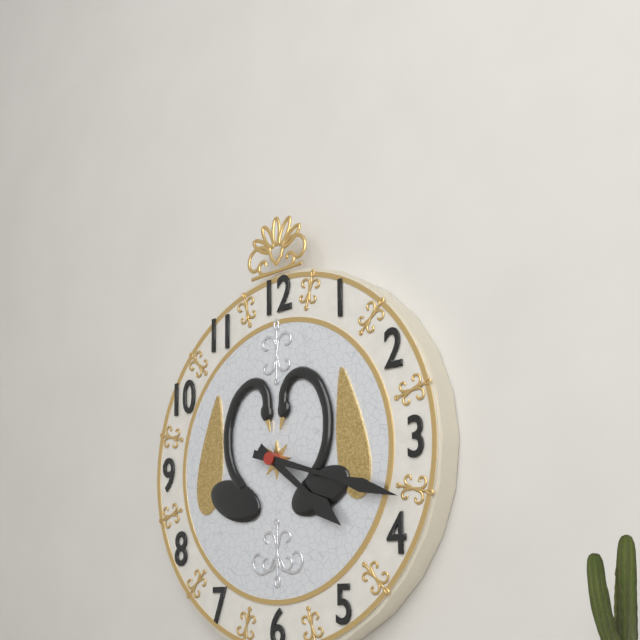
**4:18**
